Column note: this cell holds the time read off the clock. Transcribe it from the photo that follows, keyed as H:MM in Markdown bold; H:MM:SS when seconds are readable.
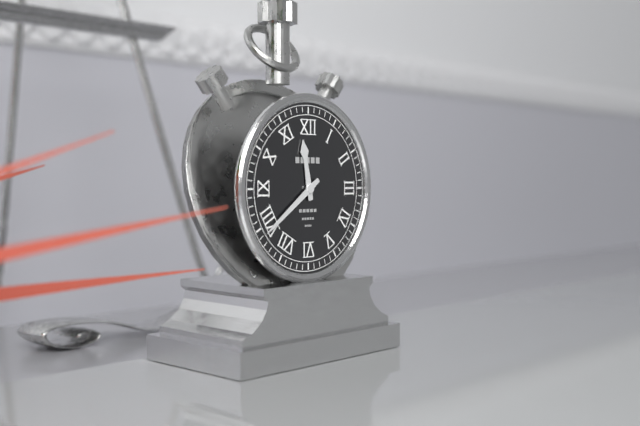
**11:39**
